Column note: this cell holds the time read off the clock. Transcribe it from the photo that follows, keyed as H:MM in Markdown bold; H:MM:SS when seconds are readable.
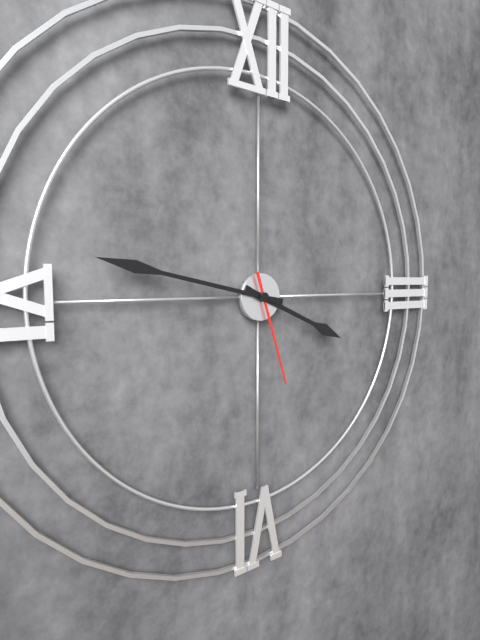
**3:47:27**
